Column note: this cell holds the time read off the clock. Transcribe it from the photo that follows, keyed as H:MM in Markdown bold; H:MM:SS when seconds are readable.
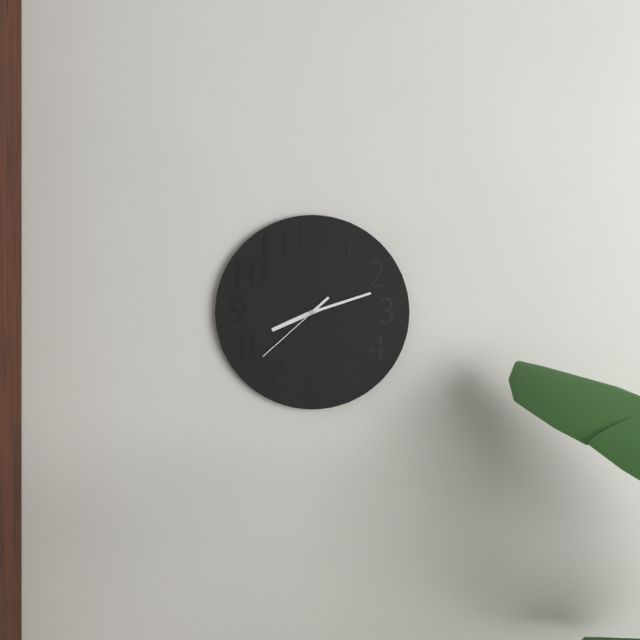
**8:12:38**
